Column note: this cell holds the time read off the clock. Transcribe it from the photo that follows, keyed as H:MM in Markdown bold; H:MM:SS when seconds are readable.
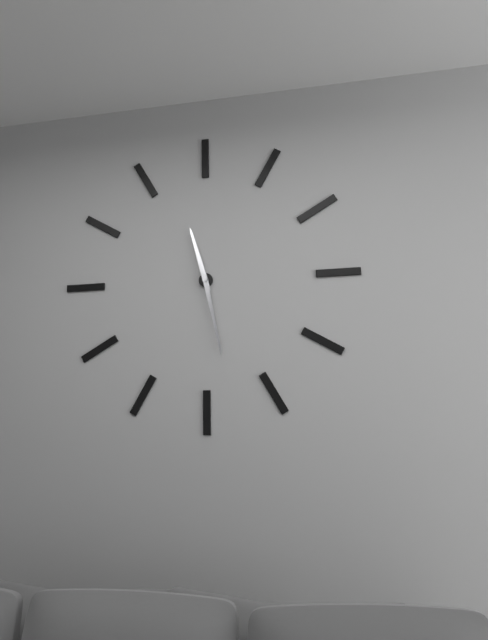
**11:28**
